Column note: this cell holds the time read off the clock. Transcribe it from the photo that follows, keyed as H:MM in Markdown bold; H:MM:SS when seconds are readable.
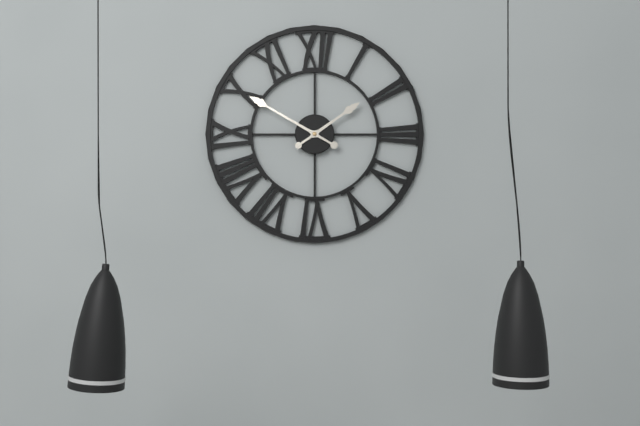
**1:50**
